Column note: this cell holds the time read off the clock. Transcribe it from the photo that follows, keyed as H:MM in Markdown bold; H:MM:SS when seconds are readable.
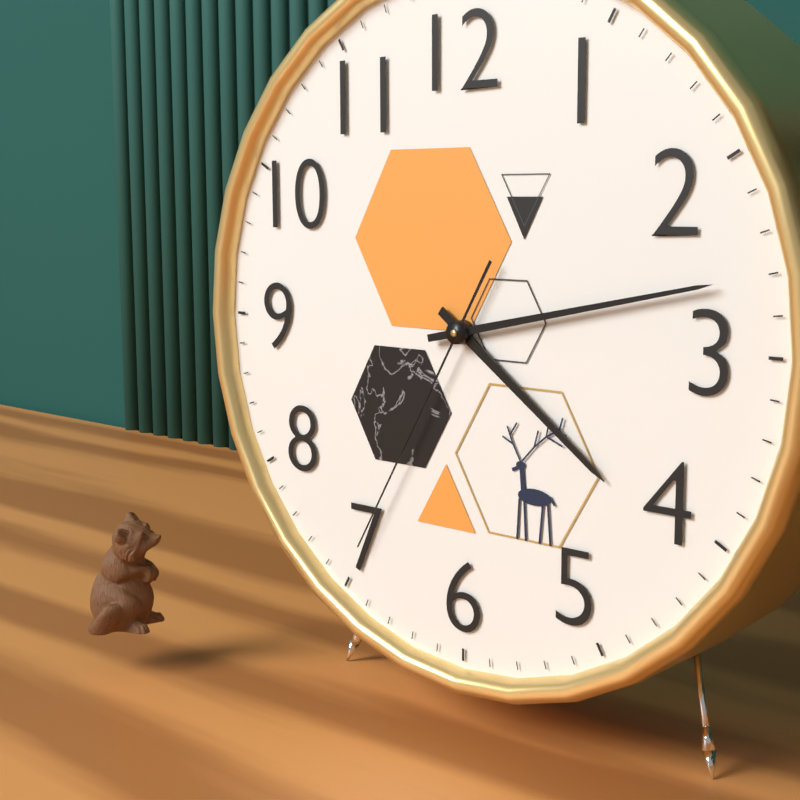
**4:13:35**
